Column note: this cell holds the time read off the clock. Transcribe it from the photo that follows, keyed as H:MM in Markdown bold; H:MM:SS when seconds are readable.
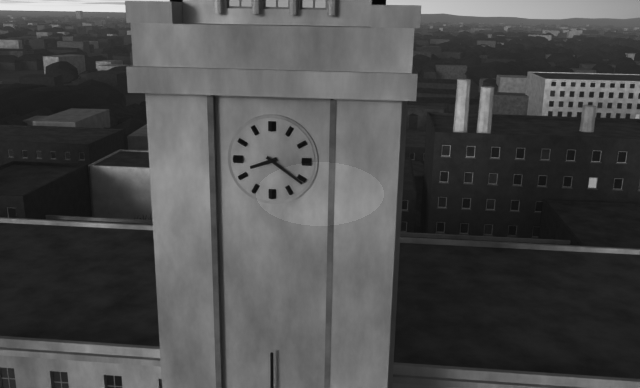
**8:21**
